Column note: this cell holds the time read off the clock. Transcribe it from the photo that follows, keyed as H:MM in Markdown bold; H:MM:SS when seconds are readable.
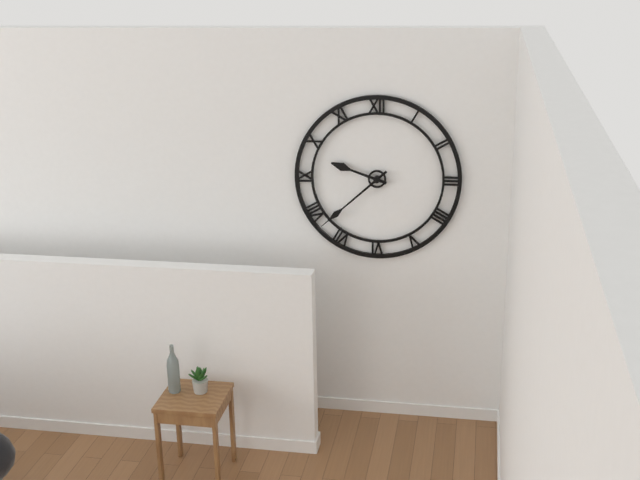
**9:38**
